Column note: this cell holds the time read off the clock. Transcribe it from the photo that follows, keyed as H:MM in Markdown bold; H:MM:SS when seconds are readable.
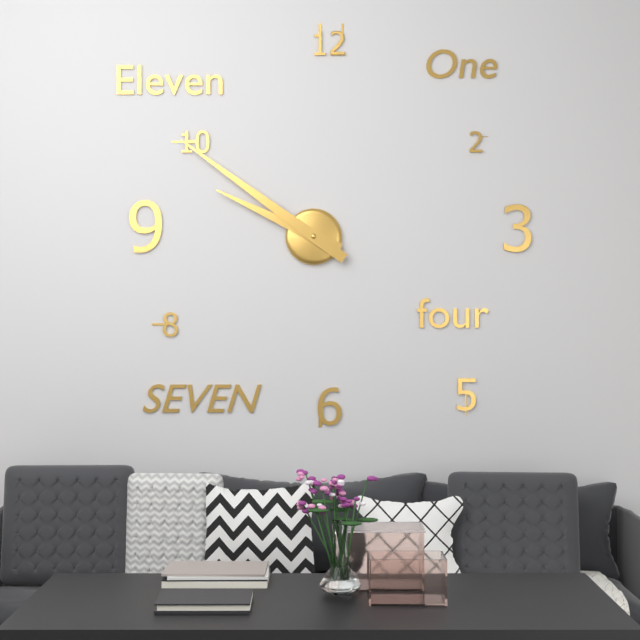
**9:51**
